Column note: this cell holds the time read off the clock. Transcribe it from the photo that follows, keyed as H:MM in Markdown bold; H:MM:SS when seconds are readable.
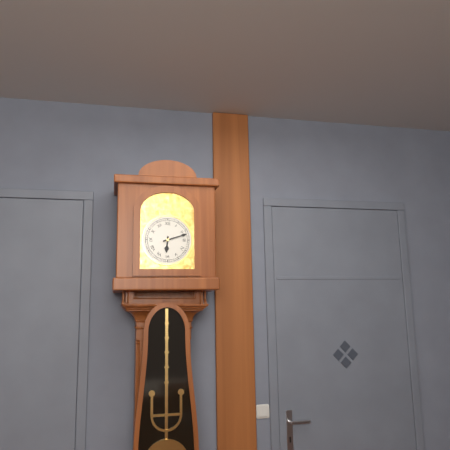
**6:12**
